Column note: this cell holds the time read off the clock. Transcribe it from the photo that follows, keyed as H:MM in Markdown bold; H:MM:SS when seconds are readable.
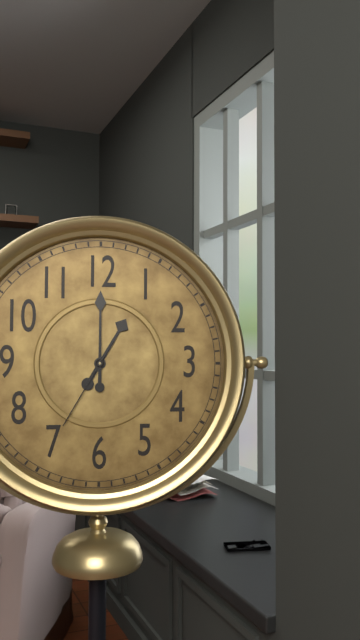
**1:00:35**
